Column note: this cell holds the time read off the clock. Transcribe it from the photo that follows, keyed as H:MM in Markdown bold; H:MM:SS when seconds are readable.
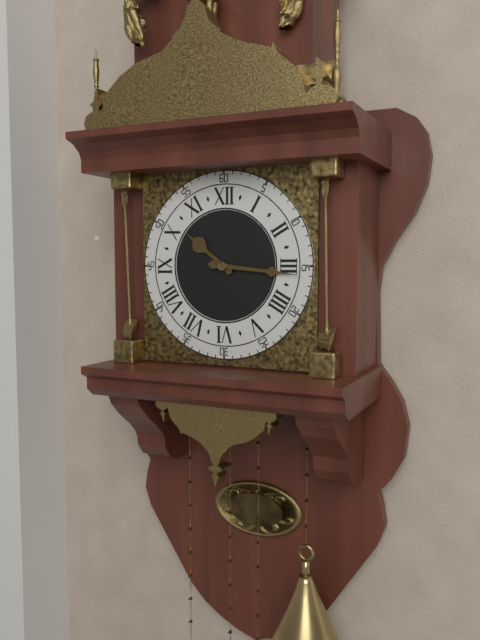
**10:16**
